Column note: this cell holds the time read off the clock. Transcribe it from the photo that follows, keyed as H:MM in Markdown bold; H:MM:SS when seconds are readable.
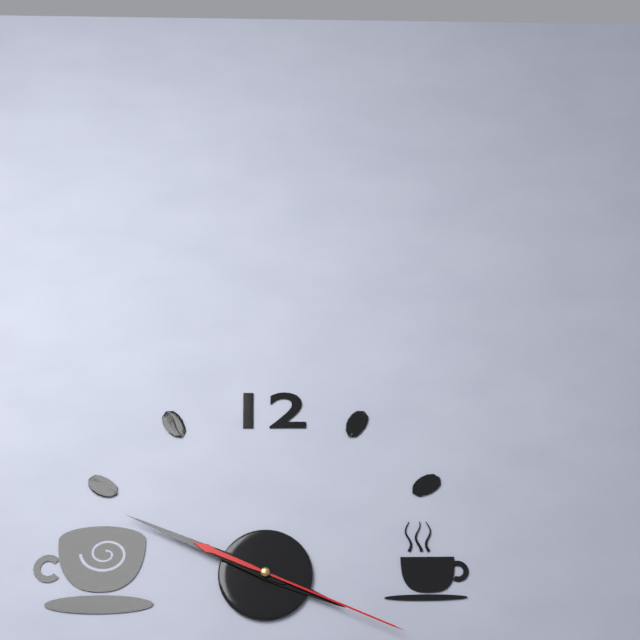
**3:49:19**
